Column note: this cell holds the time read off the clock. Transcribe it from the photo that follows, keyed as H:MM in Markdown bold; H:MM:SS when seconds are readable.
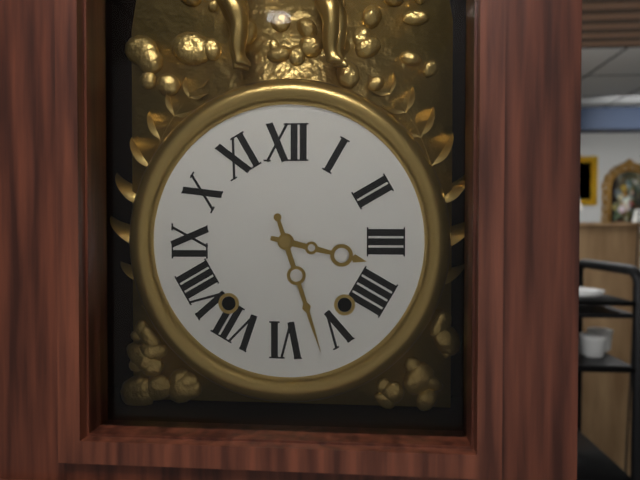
**3:27**
